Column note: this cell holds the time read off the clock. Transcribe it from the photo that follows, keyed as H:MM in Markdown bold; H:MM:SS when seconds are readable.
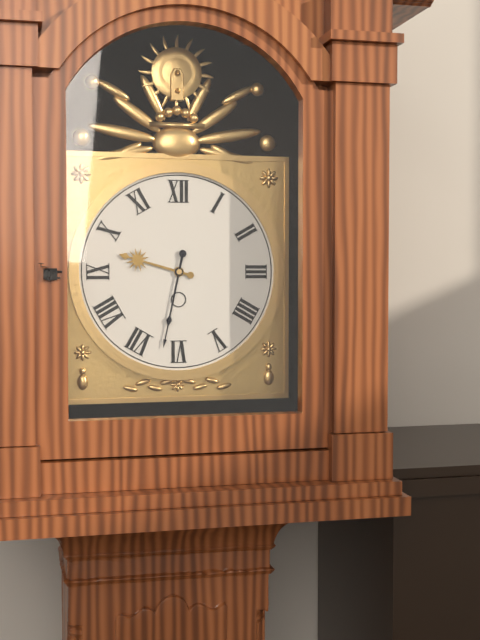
**9:32**
